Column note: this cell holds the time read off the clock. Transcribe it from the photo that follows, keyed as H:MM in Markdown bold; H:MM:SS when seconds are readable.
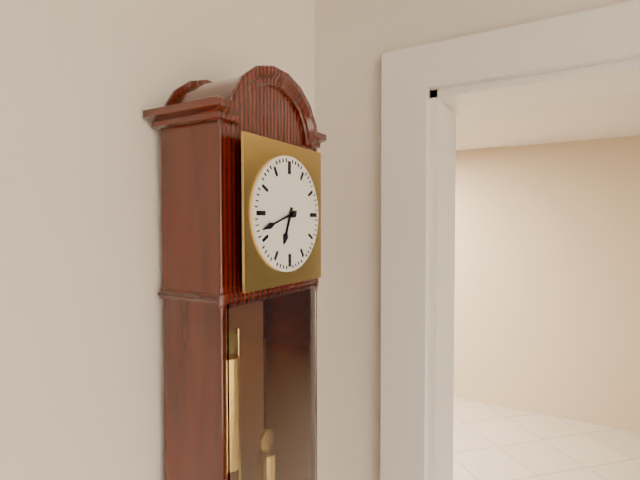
**6:42**
